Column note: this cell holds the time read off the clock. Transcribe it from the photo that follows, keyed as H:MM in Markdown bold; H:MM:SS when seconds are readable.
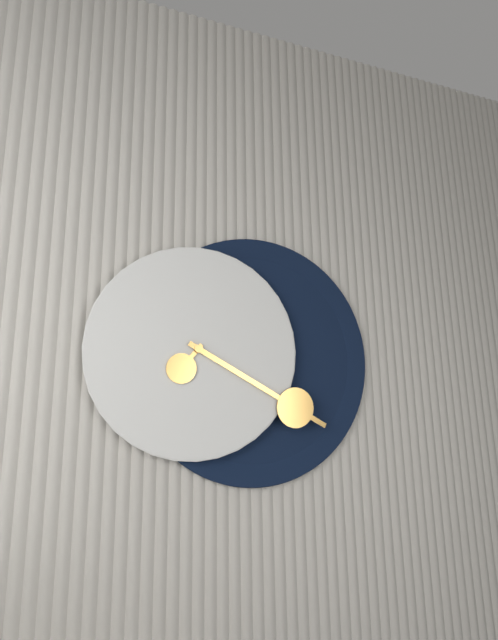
**7:20**
